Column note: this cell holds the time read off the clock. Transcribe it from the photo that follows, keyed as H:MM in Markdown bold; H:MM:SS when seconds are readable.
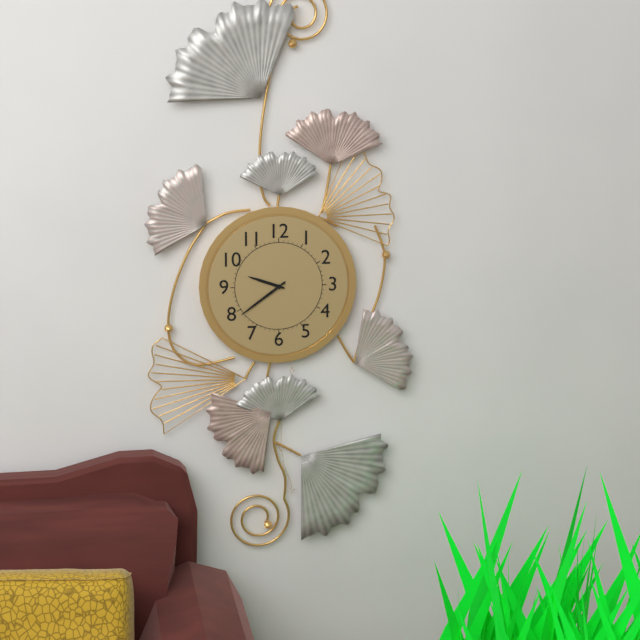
**9:39**
